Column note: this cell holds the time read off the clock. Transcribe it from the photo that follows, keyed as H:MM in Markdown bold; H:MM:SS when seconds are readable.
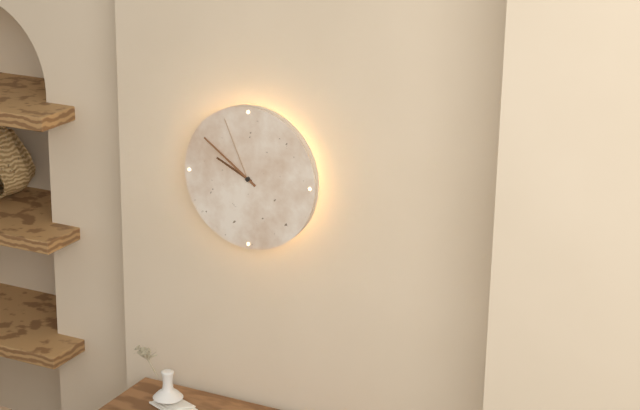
**9:51:56**
